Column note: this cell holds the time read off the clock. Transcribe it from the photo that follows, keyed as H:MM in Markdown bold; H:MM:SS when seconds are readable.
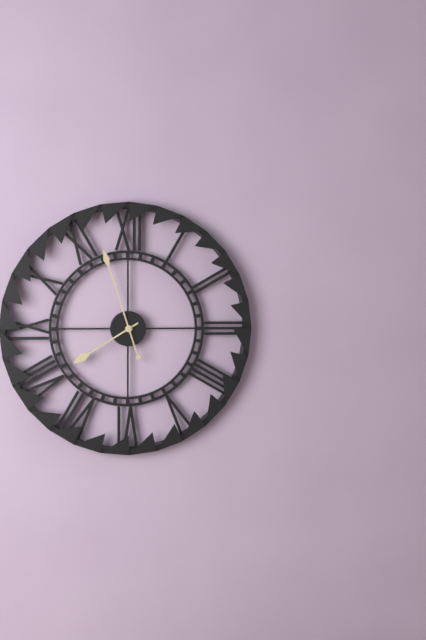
**7:57**
